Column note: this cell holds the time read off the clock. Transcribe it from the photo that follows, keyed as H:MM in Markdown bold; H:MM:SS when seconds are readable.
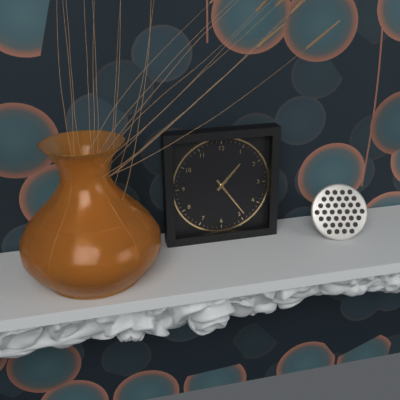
**1:24**
